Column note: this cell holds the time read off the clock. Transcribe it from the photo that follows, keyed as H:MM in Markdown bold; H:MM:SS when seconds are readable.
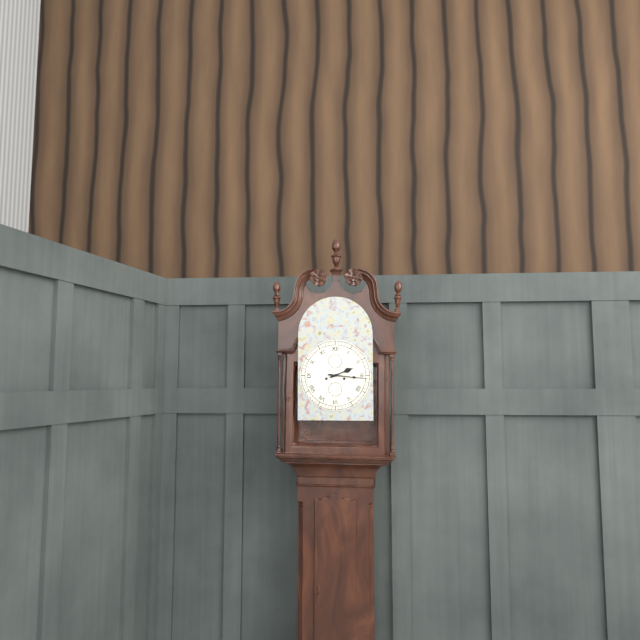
**2:16**
